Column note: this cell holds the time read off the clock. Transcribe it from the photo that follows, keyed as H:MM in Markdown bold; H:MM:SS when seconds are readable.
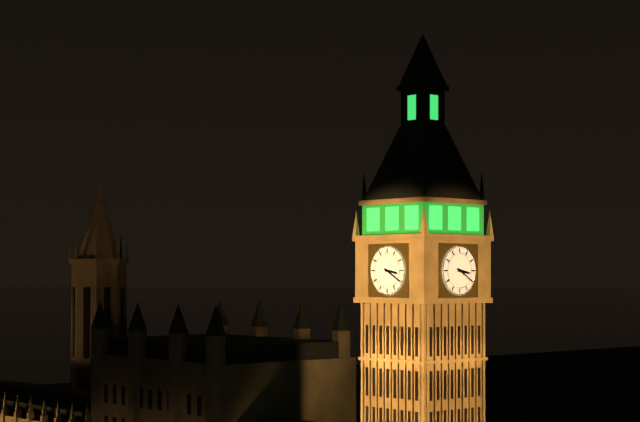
**3:20**
